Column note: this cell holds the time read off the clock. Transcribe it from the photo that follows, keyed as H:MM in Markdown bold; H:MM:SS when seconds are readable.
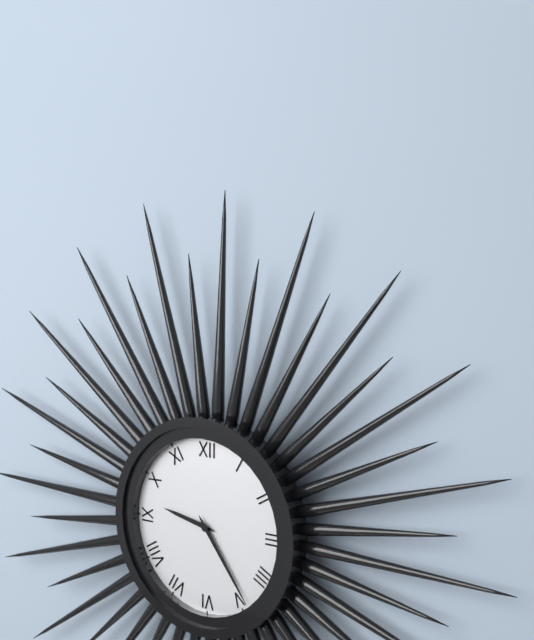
**9:24**
